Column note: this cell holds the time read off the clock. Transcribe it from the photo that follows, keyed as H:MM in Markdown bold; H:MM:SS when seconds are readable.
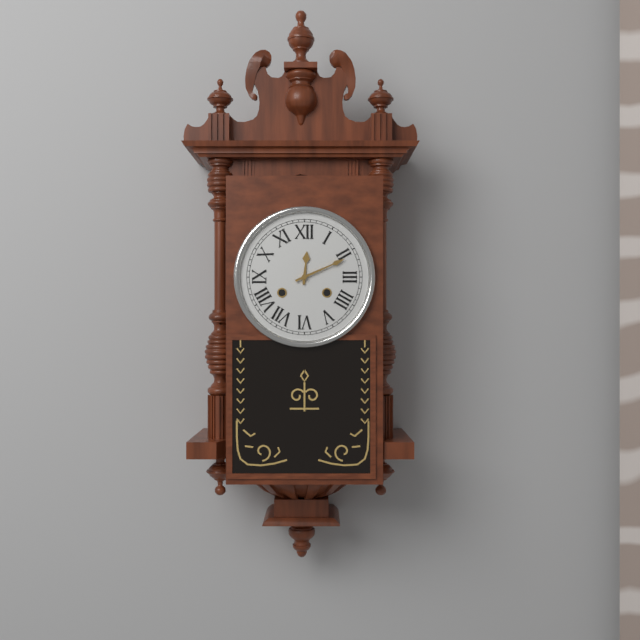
**12:11**
